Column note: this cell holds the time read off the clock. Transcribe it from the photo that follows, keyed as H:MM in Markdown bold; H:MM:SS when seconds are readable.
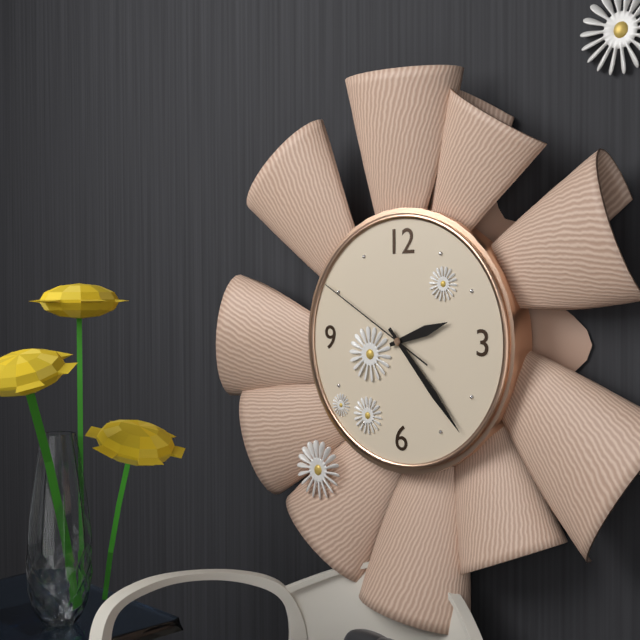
**2:23:50**
